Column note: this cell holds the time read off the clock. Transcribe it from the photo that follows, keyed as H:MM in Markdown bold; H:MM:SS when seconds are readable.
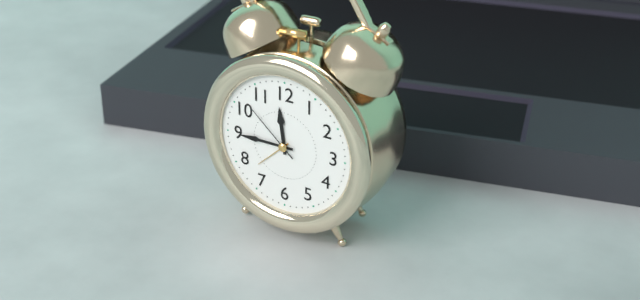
**11:45:52**
